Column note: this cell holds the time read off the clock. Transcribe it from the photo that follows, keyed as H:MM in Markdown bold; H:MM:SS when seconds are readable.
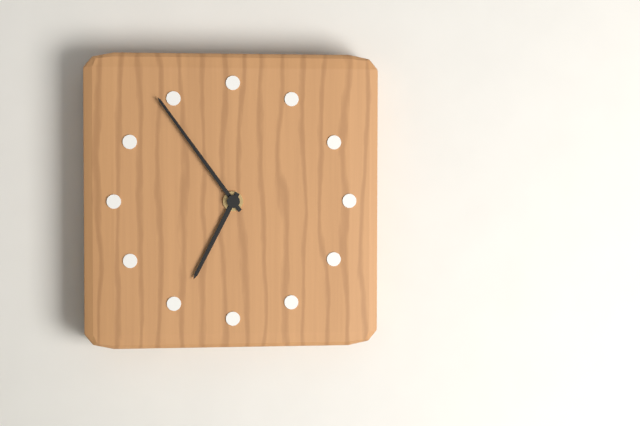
**6:54**
